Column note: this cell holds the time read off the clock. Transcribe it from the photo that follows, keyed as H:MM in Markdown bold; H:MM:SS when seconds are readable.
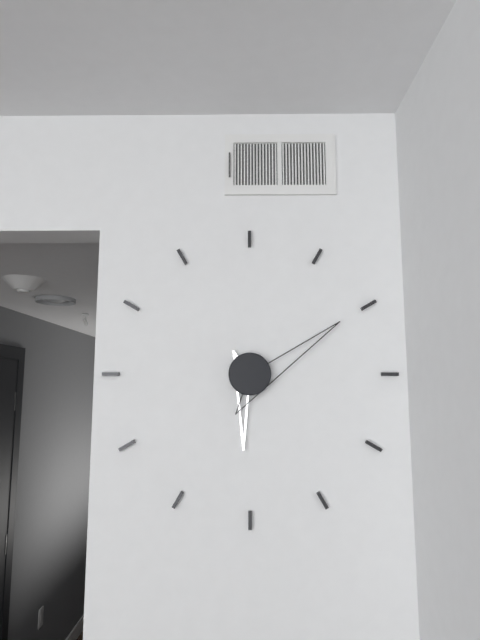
**6:10**
